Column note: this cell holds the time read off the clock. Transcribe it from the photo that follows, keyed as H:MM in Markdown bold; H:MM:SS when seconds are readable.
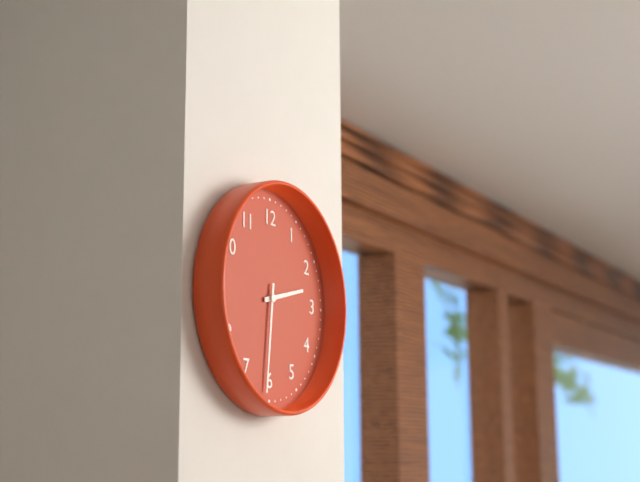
**2:31**
